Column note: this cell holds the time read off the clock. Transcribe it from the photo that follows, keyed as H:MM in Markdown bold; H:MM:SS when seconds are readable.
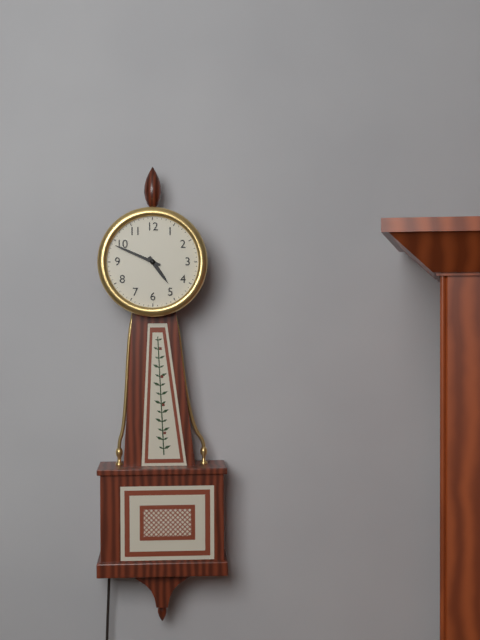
**4:49**
